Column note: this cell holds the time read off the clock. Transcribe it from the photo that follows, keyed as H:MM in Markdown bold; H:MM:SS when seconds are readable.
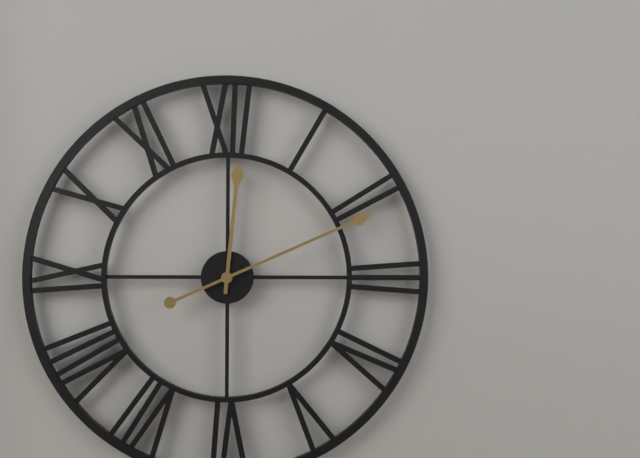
**12:11**
